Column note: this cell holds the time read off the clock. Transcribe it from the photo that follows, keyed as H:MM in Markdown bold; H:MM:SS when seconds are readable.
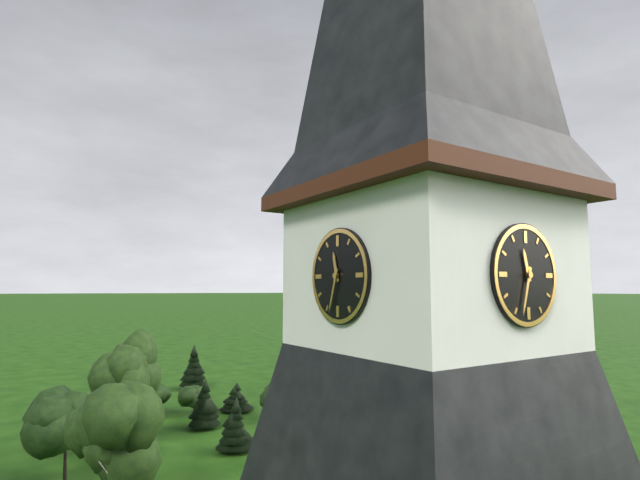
**11:33**
